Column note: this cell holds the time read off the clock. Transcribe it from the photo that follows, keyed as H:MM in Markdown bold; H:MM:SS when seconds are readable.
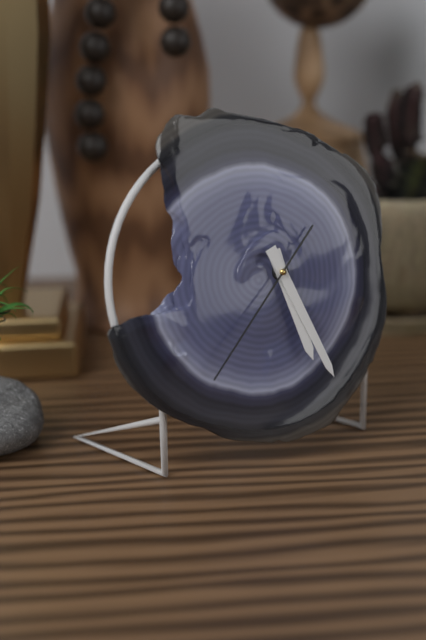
**5:26:37**
